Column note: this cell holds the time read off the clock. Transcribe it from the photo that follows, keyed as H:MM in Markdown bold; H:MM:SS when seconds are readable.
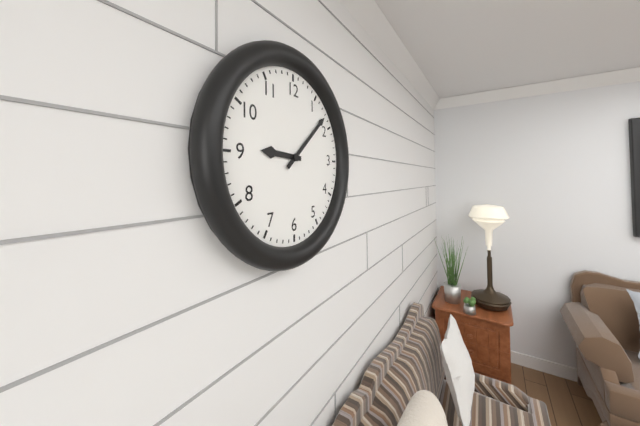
**9:08**
